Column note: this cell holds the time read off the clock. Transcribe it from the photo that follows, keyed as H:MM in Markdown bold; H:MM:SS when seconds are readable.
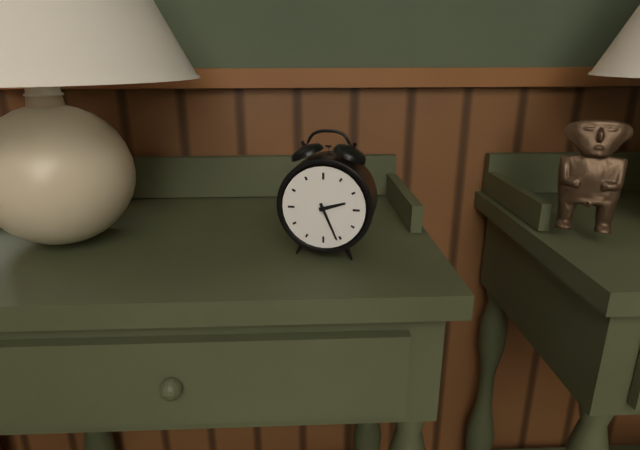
**2:26**
